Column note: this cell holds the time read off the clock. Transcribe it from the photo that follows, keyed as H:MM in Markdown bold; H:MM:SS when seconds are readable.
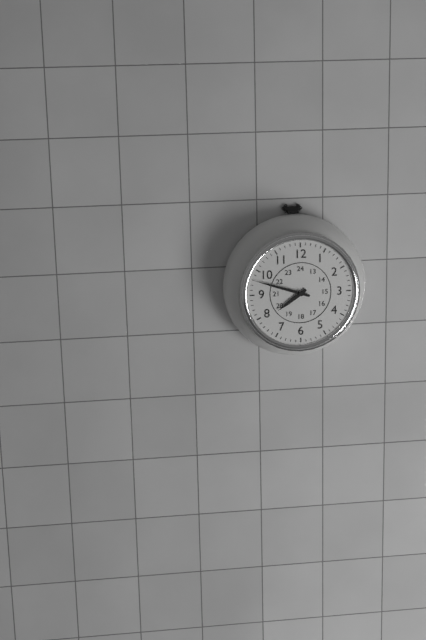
**7:48**
